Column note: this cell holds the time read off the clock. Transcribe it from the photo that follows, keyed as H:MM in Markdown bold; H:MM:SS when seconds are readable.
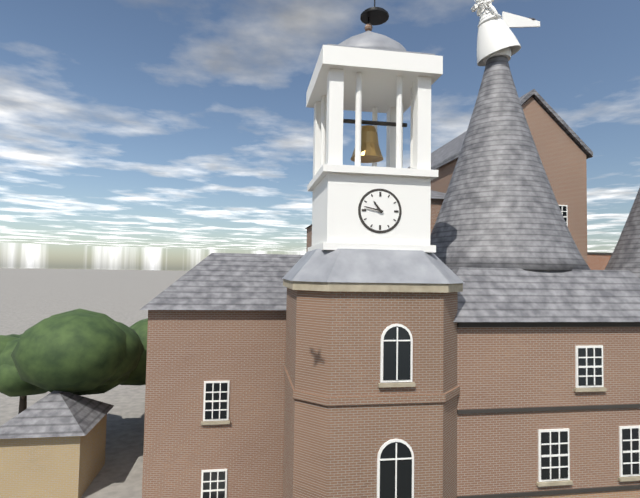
**10:47**
